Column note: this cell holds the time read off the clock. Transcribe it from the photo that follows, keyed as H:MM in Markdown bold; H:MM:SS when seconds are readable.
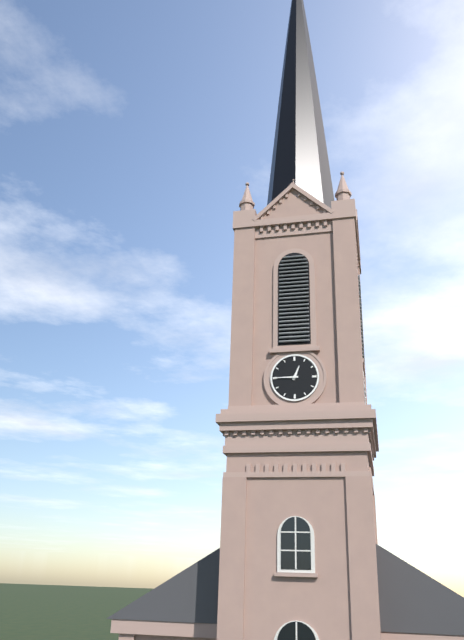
**12:45**
